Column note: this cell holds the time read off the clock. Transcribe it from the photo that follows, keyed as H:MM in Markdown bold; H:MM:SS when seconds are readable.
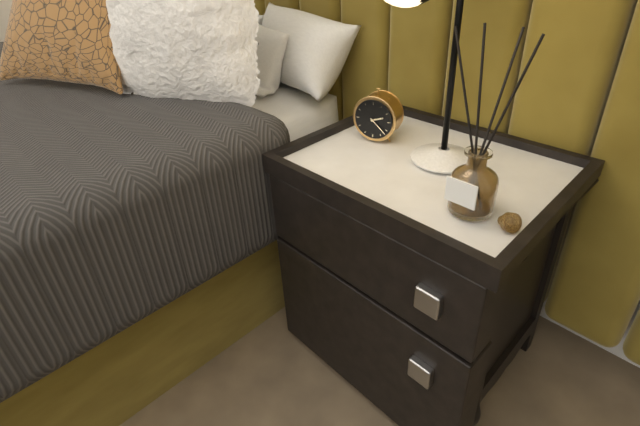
**2:22**
